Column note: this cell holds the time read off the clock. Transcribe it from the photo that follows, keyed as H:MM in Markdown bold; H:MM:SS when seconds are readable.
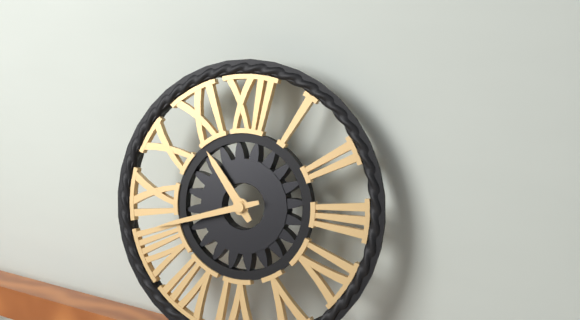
**10:42**
